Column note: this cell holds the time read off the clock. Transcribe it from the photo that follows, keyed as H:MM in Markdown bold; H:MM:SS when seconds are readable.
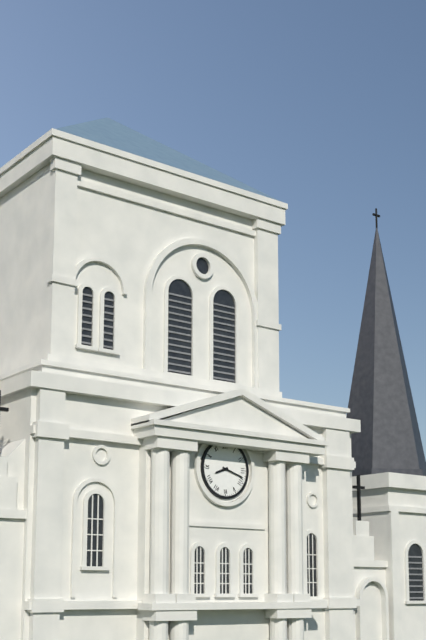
**8:18**
